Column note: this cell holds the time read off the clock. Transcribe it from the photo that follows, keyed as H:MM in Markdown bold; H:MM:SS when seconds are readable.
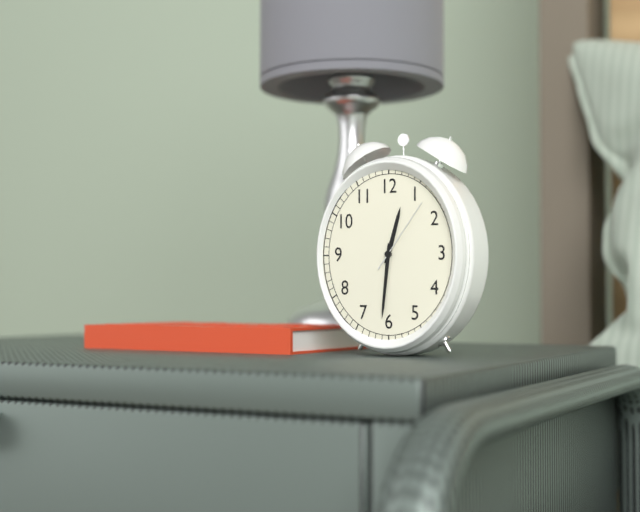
**12:31:06**
